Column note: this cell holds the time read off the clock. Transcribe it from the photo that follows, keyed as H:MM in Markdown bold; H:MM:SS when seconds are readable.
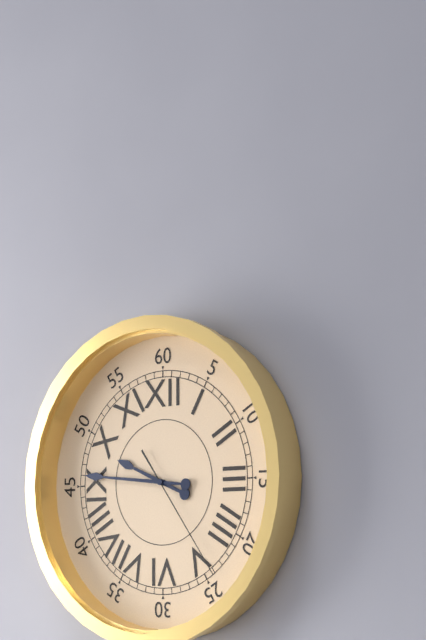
**9:46:24**
